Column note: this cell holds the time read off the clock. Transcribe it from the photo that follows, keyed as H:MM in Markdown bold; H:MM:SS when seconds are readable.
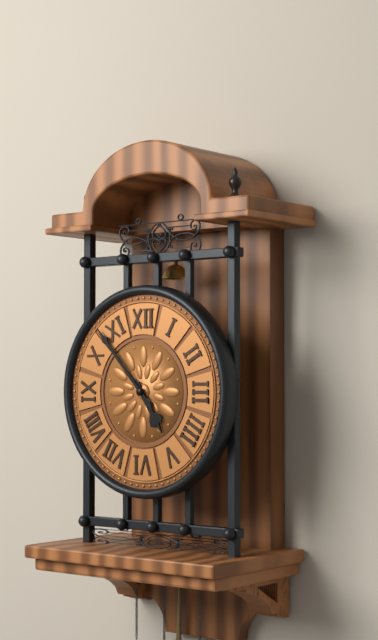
**4:53**
